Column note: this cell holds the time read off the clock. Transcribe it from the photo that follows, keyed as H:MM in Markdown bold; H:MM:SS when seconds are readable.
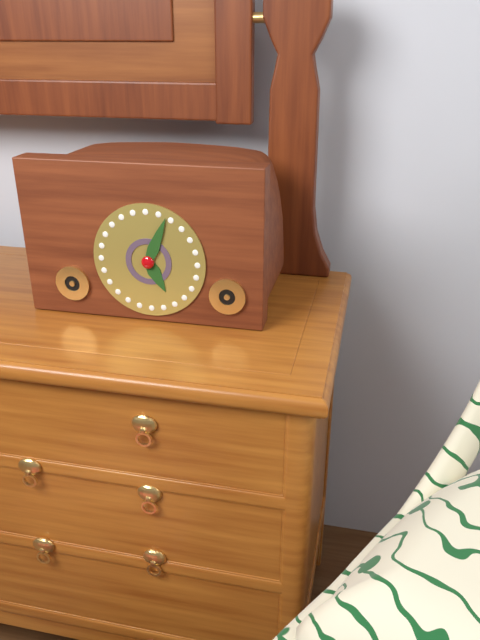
**5:04**
